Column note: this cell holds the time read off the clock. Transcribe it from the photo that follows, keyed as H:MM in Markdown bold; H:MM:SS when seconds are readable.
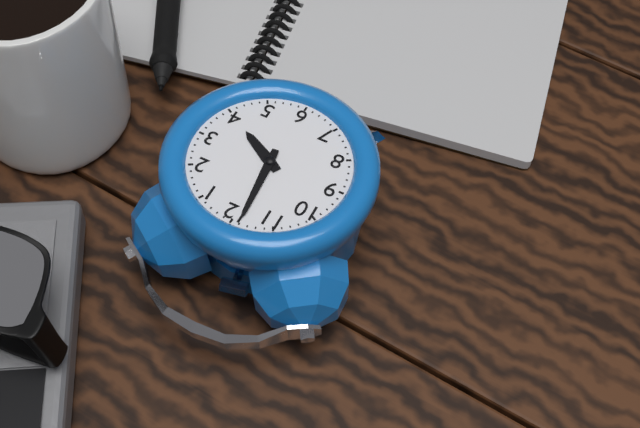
**3:59**
